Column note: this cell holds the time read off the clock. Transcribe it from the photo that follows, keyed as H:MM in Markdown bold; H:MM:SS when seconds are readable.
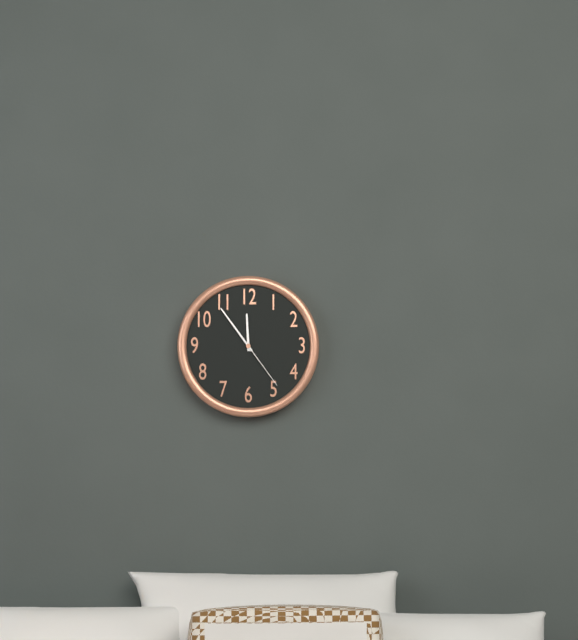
**11:54:24**
